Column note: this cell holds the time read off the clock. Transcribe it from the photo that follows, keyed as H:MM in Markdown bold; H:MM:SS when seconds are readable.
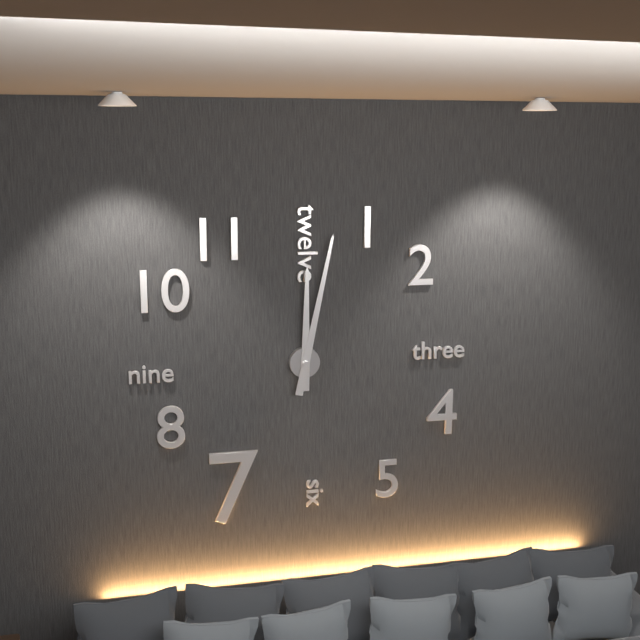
**12:02**
